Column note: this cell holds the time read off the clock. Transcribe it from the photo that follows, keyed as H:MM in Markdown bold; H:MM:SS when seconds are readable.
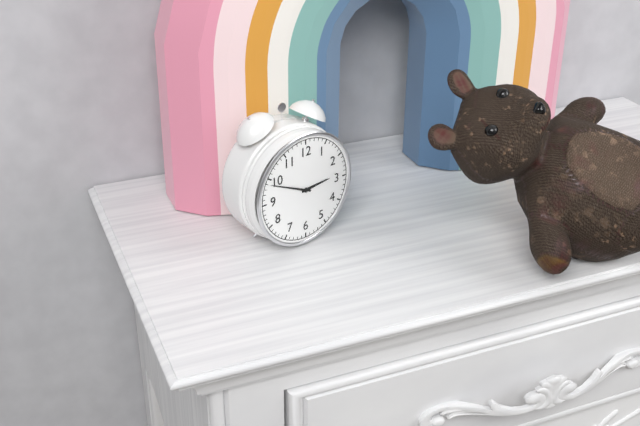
**2:49**
